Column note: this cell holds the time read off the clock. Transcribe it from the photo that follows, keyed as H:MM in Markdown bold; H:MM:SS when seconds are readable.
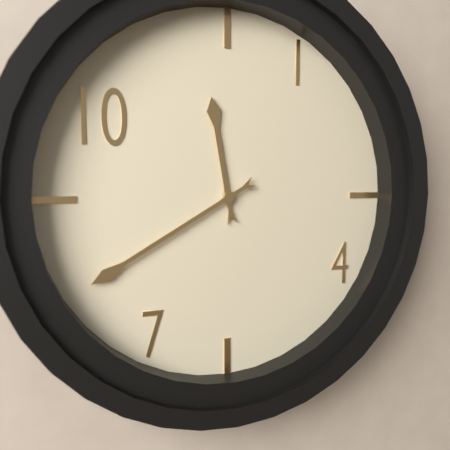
**11:40**
